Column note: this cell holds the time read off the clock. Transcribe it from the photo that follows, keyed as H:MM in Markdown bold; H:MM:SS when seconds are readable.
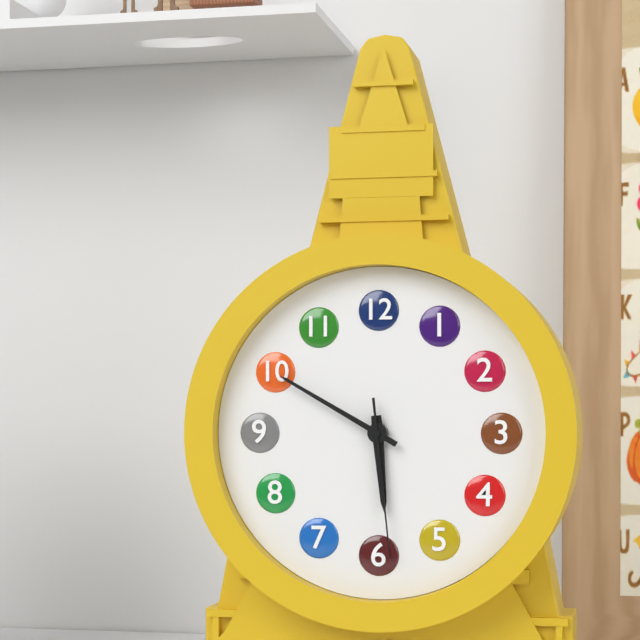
**5:50:29**
